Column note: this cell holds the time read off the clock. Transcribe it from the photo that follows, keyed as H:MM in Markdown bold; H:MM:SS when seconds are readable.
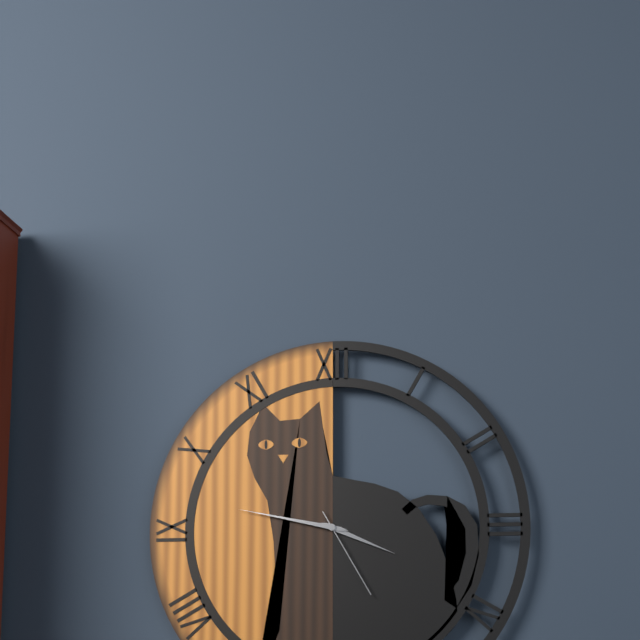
**3:47:25**
